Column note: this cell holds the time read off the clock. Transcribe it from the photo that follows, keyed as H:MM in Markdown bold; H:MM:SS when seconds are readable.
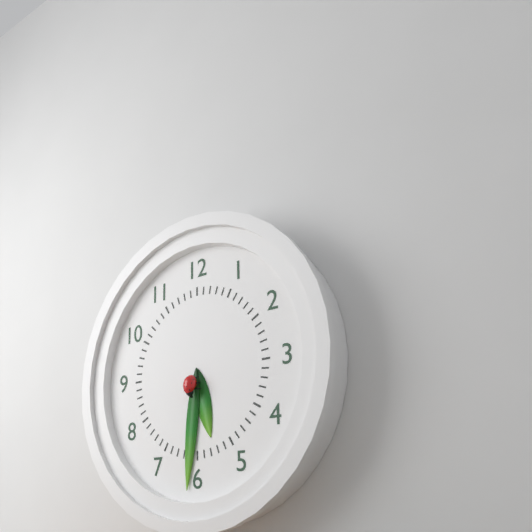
**5:31**
